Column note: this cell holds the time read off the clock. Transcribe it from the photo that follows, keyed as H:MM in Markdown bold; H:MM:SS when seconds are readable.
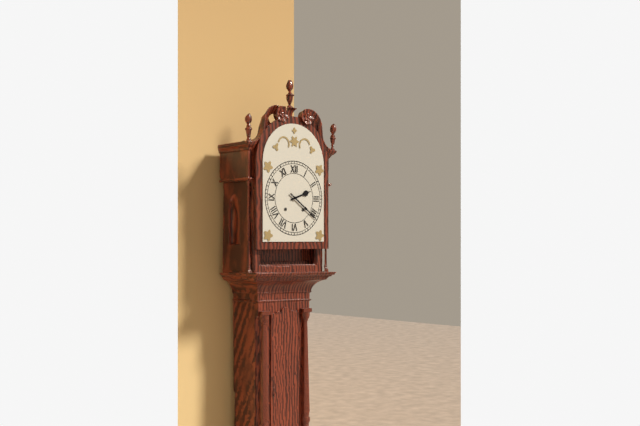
**2:21**
